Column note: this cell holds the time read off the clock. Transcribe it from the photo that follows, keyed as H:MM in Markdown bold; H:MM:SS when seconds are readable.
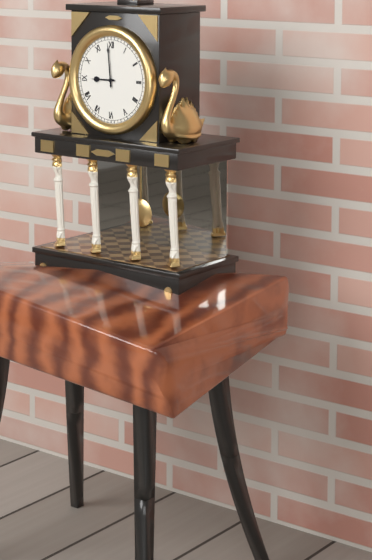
**8:59**
